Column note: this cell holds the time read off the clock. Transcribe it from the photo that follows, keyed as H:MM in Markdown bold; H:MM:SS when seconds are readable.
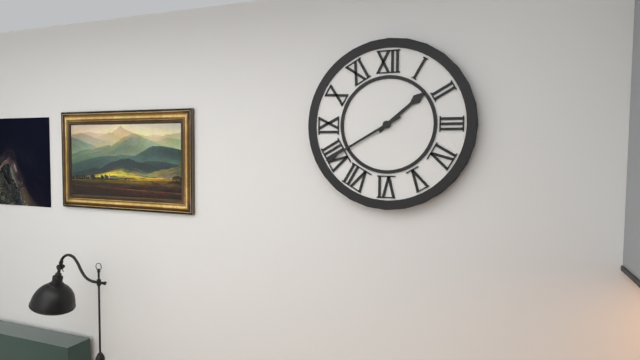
**1:40**
